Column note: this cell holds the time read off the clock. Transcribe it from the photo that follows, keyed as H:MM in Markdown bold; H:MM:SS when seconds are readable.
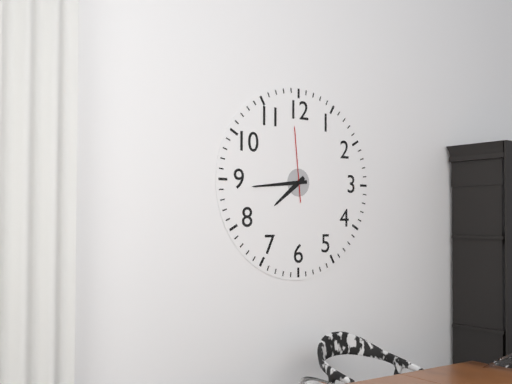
**7:44:59**
